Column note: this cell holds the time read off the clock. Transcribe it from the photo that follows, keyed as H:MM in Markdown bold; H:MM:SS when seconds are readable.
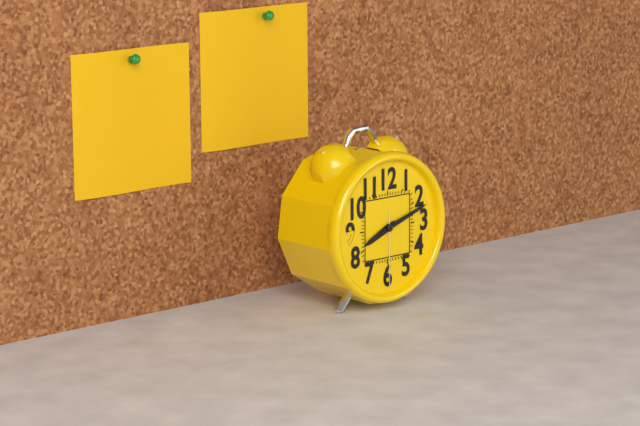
**8:12:30**
